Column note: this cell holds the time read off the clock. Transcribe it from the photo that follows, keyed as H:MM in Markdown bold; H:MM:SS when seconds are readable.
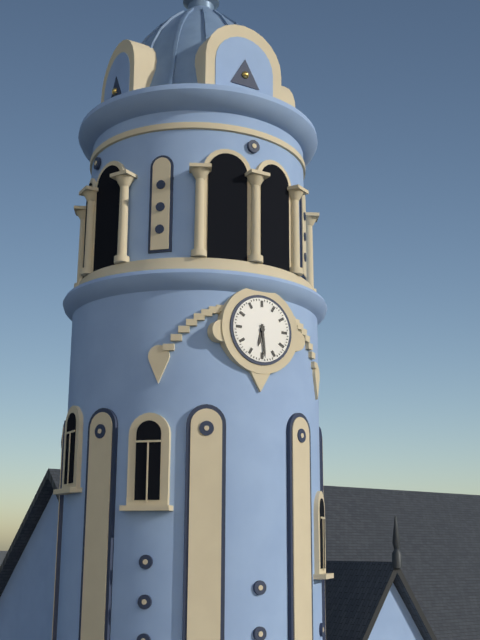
**6:29**
